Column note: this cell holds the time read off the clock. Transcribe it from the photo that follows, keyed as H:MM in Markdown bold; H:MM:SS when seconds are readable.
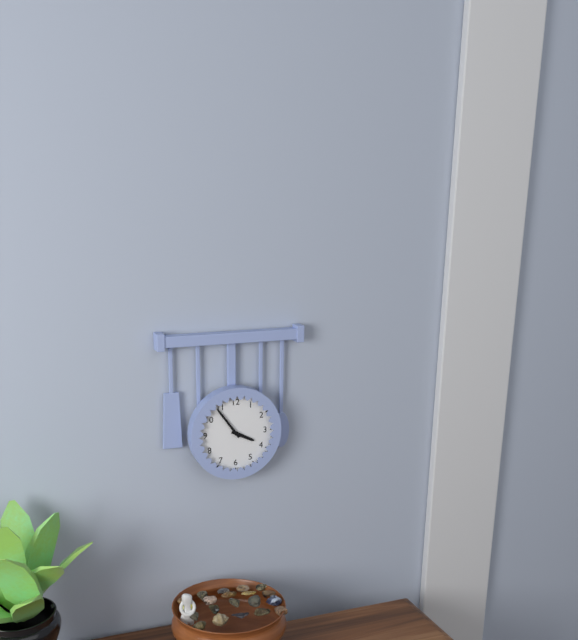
**3:54**
